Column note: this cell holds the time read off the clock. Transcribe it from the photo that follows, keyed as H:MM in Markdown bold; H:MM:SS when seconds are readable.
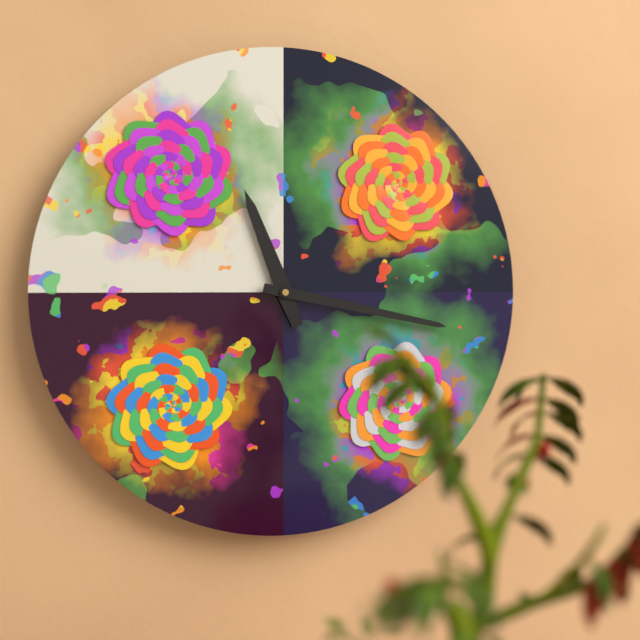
**11:17**
